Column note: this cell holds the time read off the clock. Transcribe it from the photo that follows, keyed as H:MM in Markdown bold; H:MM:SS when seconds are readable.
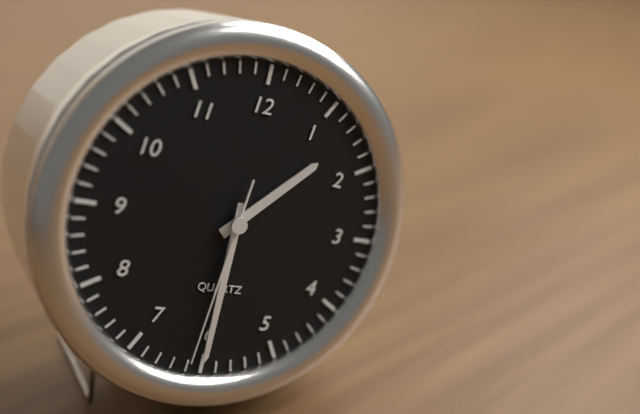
**1:30:31**
